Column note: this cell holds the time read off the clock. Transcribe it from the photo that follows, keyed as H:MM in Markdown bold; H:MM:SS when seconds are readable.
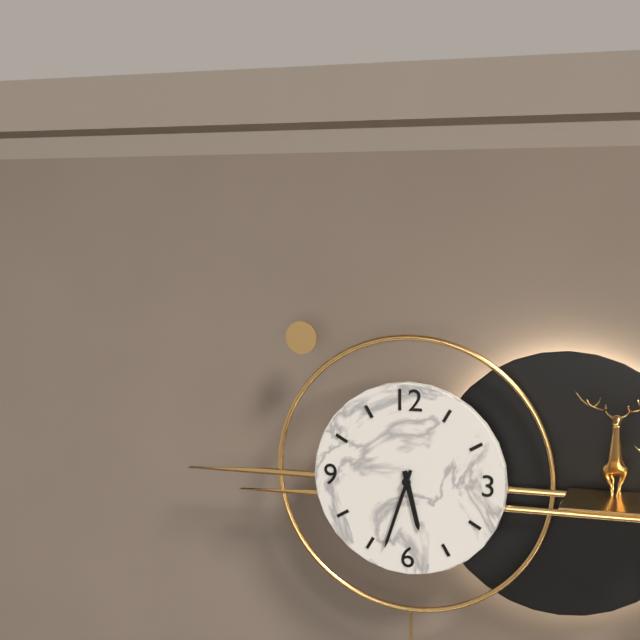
**5:33**
